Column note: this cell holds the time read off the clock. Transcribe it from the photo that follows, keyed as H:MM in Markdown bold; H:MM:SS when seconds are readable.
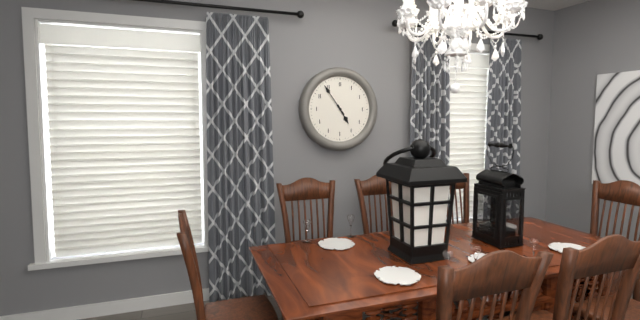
**4:54**
